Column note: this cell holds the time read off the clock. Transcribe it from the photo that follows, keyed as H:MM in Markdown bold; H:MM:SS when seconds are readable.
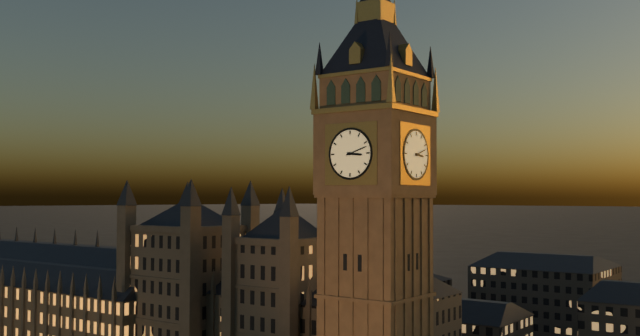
**3:12**
